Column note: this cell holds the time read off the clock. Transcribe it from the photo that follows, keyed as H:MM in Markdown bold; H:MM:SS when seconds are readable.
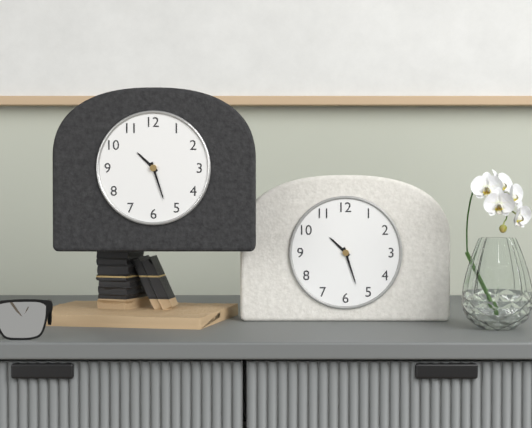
**10:27**
